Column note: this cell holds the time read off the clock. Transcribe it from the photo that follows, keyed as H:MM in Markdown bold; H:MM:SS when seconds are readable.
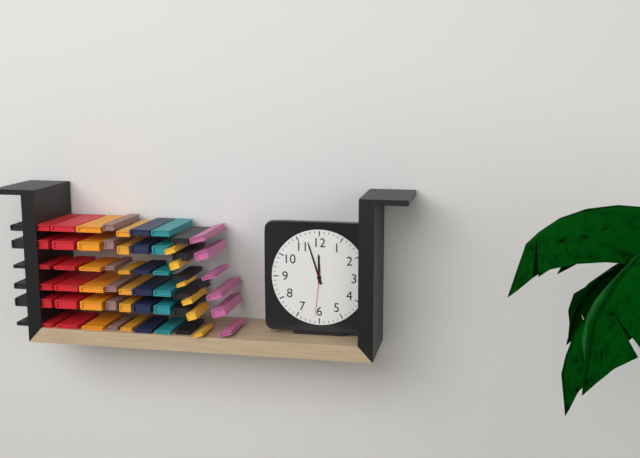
**11:57:31**
